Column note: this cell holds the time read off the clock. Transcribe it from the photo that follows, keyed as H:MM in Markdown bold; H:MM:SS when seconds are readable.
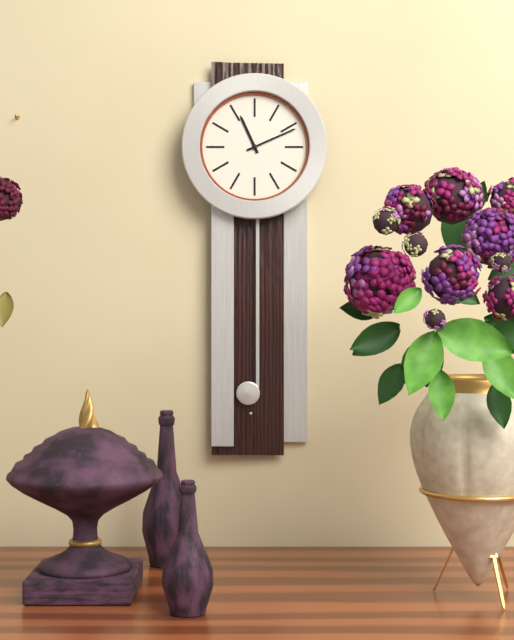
**11:11**
